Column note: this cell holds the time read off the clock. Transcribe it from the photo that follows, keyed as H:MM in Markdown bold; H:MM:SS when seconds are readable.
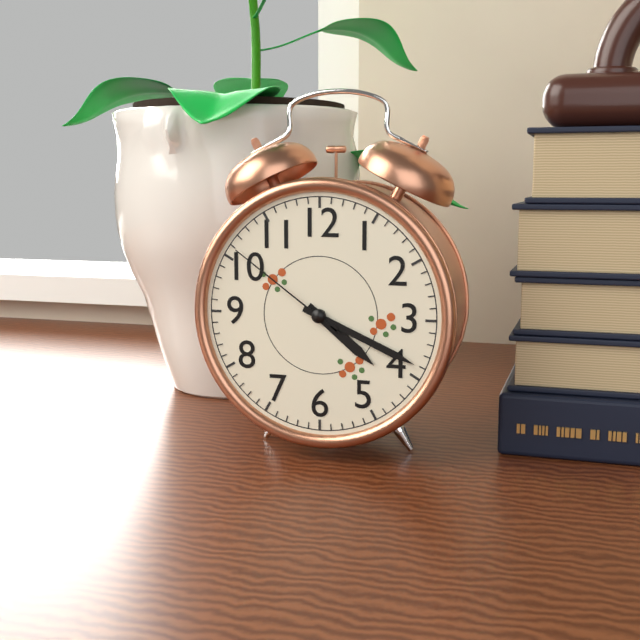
**4:19:51**
